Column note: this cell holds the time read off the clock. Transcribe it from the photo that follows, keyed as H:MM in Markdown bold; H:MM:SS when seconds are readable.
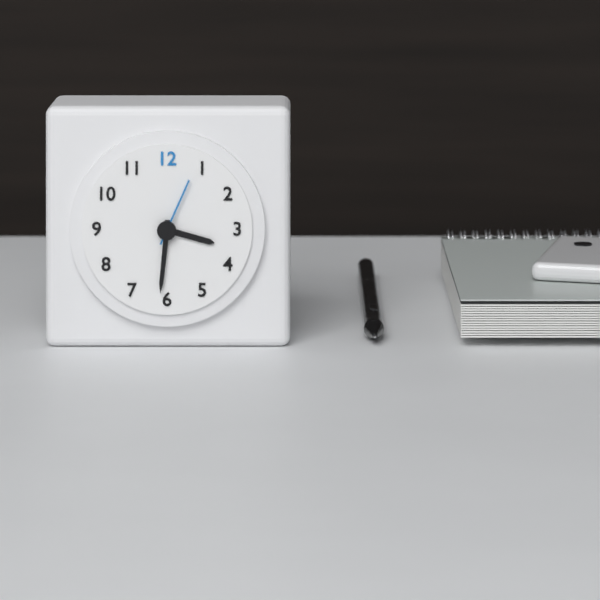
**3:31:04**
